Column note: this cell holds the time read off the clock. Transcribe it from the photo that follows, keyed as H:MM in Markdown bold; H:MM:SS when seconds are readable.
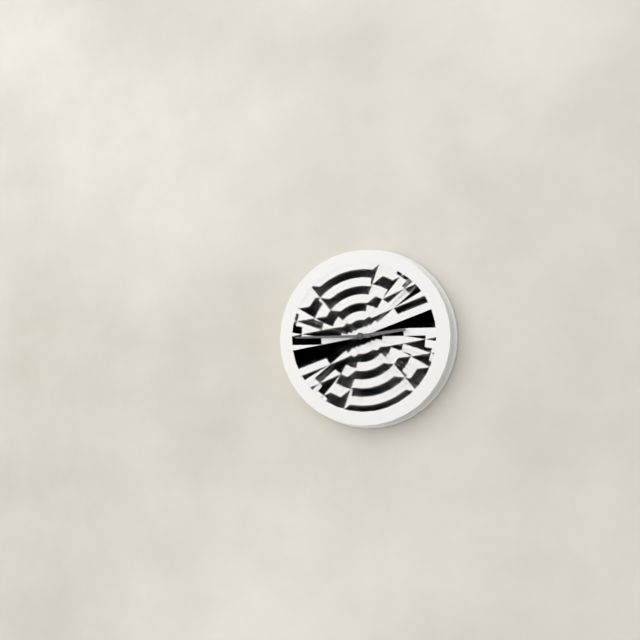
**2:45**
